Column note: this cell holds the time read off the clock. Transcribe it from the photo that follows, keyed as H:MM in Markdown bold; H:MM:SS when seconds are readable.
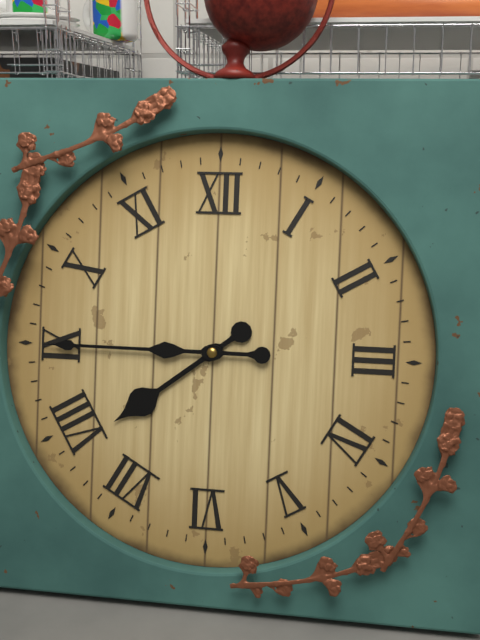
**7:45**
